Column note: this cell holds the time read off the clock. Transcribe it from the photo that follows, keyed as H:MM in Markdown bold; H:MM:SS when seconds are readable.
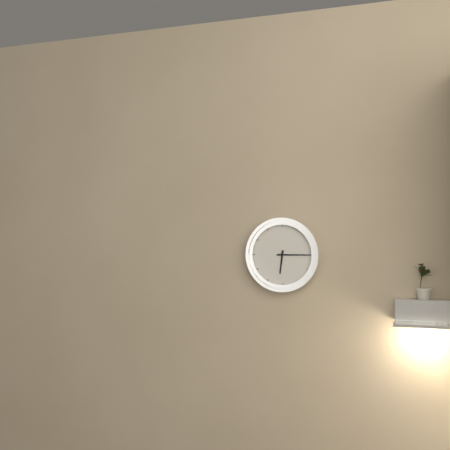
**6:15**
